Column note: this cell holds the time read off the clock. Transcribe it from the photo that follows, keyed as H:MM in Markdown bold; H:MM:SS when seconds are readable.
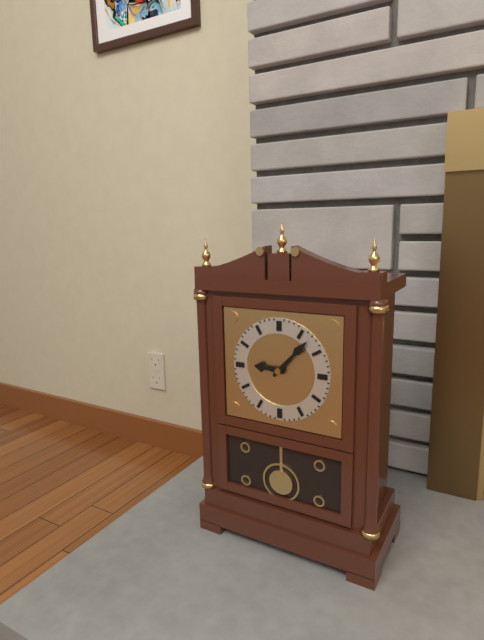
**9:07**
